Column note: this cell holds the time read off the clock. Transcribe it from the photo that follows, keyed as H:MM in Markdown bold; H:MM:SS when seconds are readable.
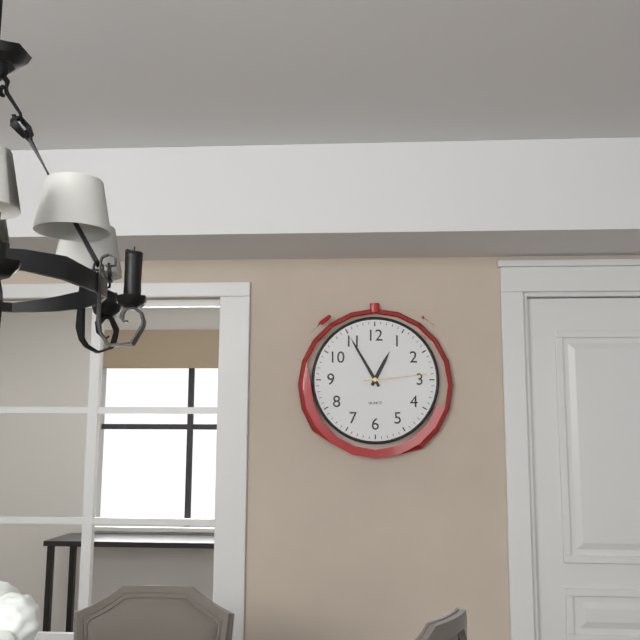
**12:55:14**
